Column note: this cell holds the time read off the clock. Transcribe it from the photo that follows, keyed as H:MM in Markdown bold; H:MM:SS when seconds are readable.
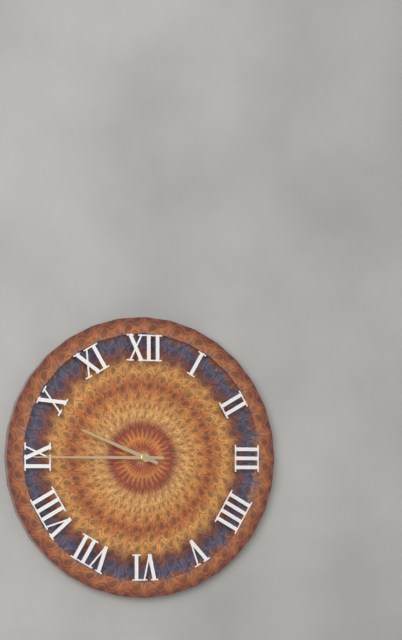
**9:45**
